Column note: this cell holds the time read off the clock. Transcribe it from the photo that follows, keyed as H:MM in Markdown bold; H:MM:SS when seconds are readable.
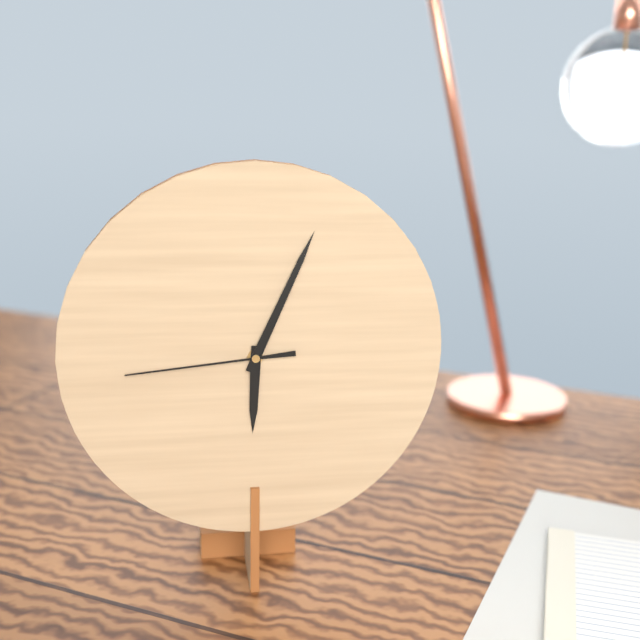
**6:04:44**
